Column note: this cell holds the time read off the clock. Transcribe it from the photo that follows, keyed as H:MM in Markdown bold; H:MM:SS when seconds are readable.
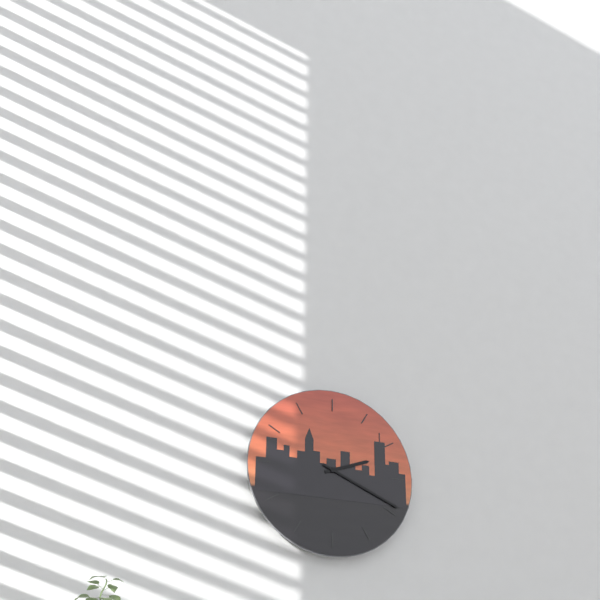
**2:19**
